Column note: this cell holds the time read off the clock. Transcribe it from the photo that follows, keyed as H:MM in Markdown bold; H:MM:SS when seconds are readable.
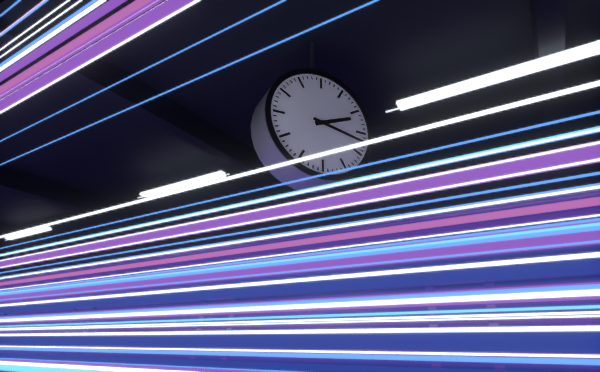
**2:17**
